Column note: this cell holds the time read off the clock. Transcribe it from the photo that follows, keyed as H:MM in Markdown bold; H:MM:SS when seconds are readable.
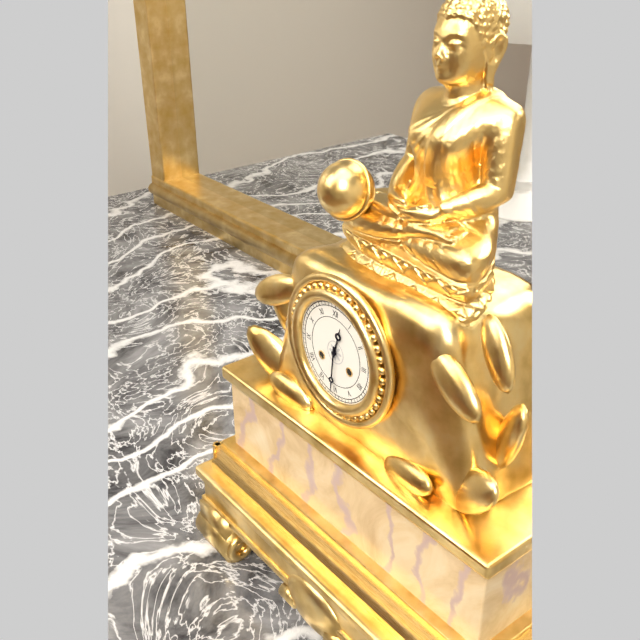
**12:31**
